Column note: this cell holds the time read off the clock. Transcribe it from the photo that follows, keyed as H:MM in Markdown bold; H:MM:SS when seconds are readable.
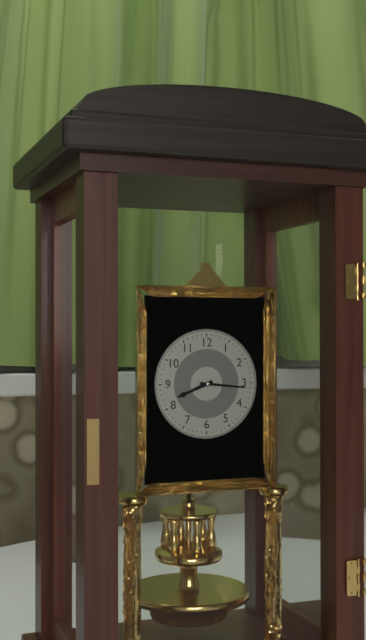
**8:16**
